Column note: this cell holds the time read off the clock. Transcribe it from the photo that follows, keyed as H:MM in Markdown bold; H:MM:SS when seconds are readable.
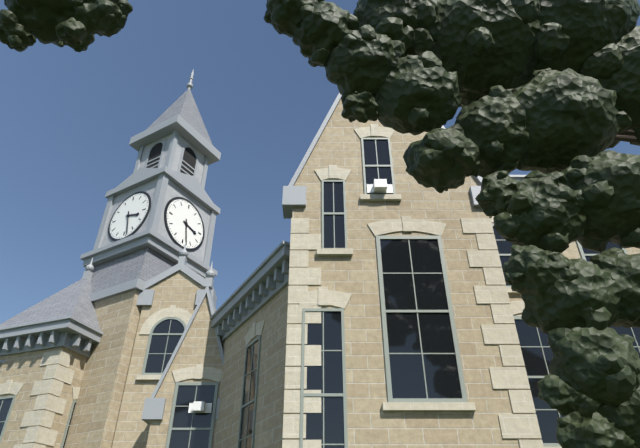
**3:28**
